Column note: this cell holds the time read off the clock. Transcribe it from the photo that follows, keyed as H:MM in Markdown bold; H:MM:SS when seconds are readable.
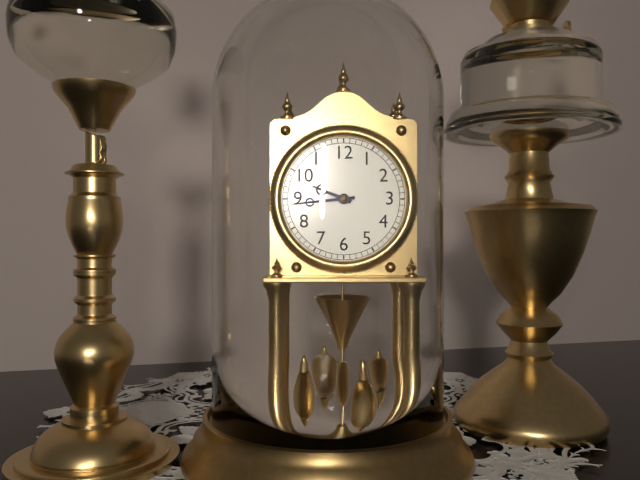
**9:44**
